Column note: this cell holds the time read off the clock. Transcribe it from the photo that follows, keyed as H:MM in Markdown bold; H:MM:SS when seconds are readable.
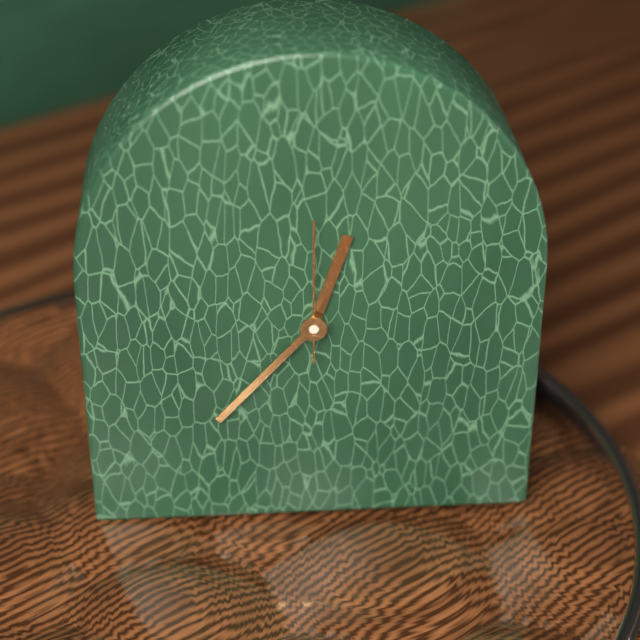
**12:37:00**
